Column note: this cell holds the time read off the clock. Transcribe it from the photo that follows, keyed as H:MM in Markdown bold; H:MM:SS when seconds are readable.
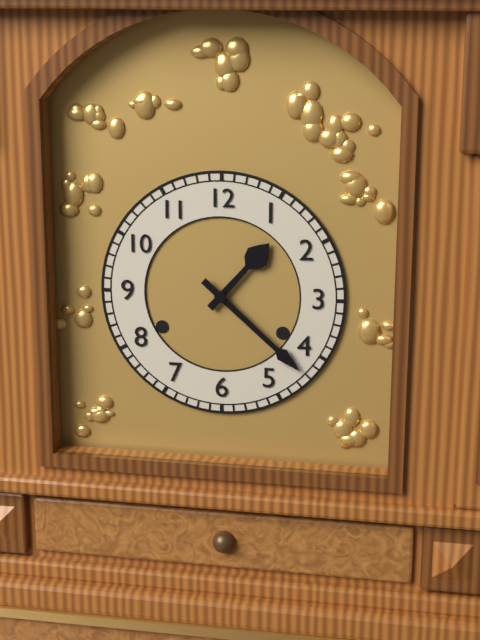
**1:22**
